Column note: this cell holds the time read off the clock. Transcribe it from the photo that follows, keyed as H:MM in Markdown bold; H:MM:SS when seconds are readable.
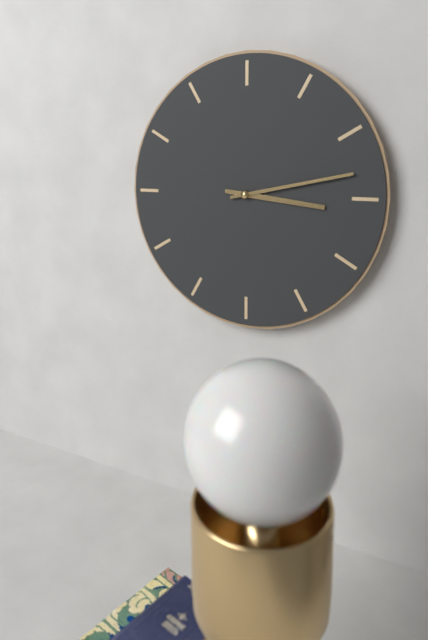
**3:13**
